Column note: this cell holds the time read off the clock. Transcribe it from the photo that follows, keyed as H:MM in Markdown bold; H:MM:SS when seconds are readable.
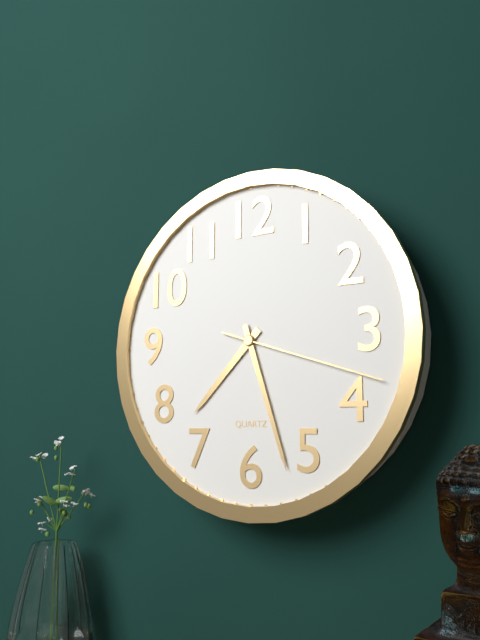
**7:27:18**
